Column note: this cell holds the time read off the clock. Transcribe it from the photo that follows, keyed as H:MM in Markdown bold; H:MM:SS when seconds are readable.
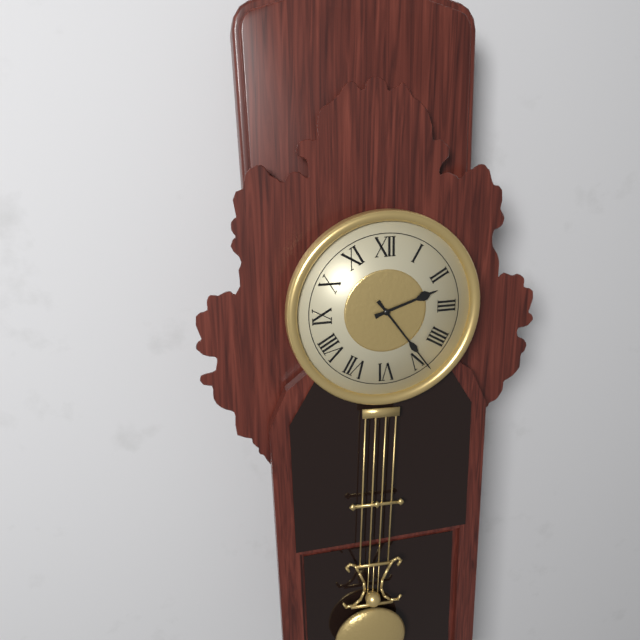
**2:24**
